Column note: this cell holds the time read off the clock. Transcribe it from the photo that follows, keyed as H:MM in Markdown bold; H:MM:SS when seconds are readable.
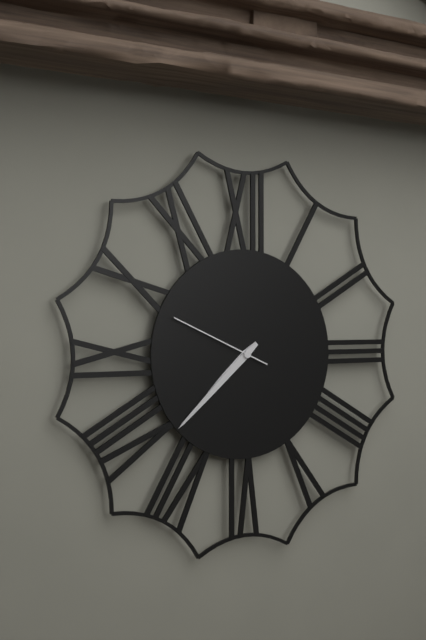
**7:38:49**
